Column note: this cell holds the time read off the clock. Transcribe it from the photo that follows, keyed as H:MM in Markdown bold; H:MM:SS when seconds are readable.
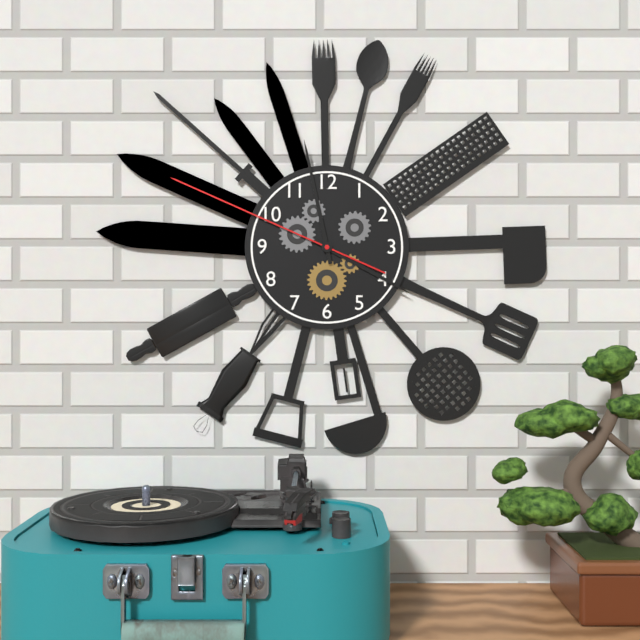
**3:58:49**
